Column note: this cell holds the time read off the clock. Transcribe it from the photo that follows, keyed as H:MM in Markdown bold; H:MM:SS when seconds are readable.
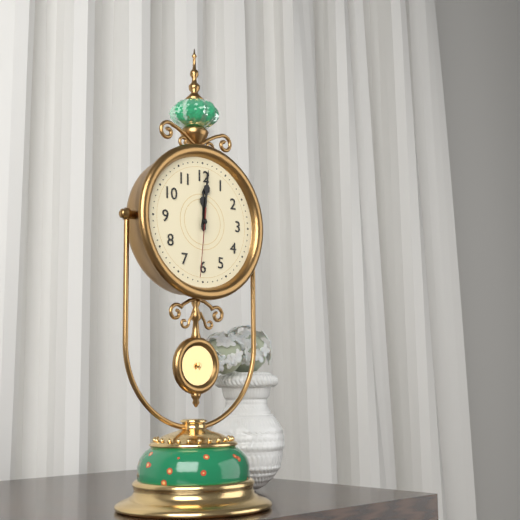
**12:01:31**
